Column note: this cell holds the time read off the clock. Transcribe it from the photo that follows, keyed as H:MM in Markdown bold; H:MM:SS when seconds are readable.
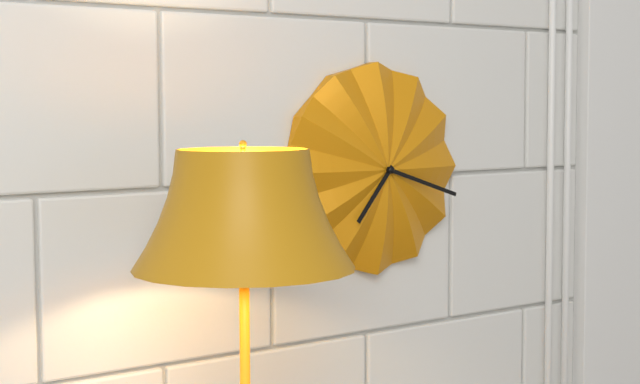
**7:18**
